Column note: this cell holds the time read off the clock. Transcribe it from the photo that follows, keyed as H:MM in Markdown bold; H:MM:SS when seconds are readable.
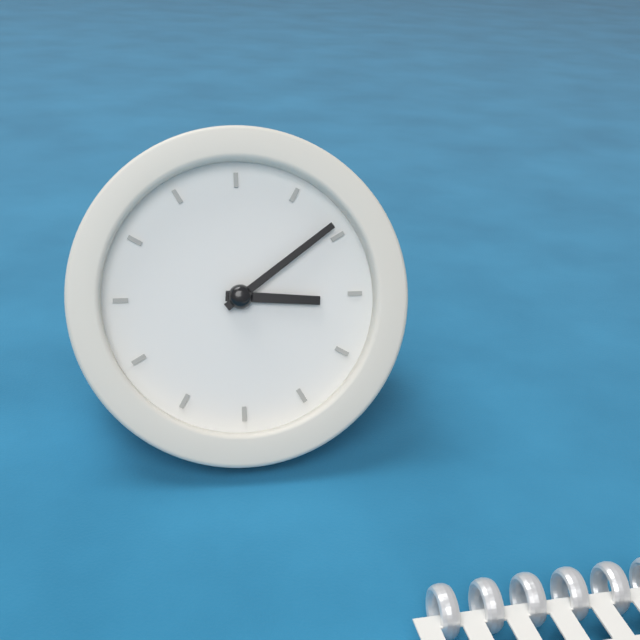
**3:09**
